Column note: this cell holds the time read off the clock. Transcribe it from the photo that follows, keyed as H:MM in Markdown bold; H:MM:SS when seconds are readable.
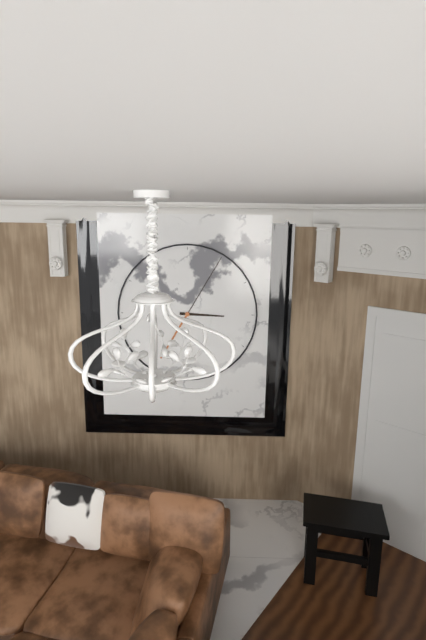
**3:05**
